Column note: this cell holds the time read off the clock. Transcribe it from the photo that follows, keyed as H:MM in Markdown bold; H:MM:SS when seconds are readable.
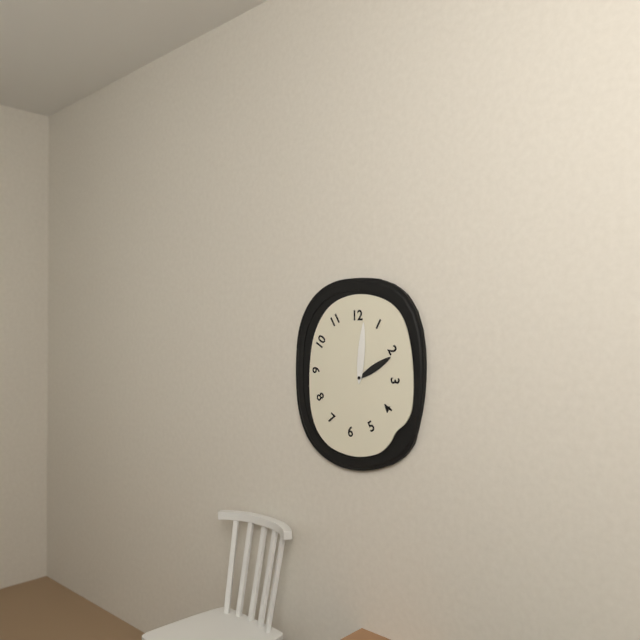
**2:01**
